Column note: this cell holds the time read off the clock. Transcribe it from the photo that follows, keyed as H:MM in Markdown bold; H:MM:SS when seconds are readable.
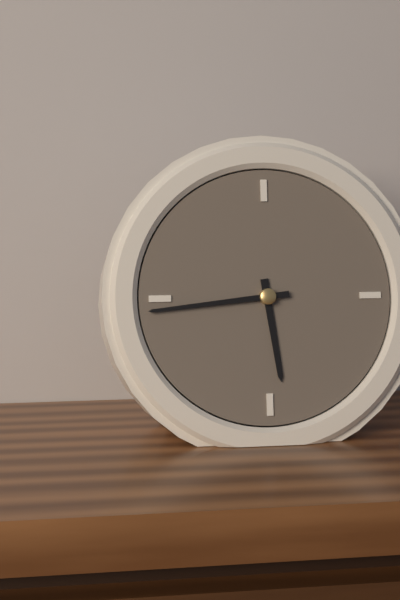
**5:44**
